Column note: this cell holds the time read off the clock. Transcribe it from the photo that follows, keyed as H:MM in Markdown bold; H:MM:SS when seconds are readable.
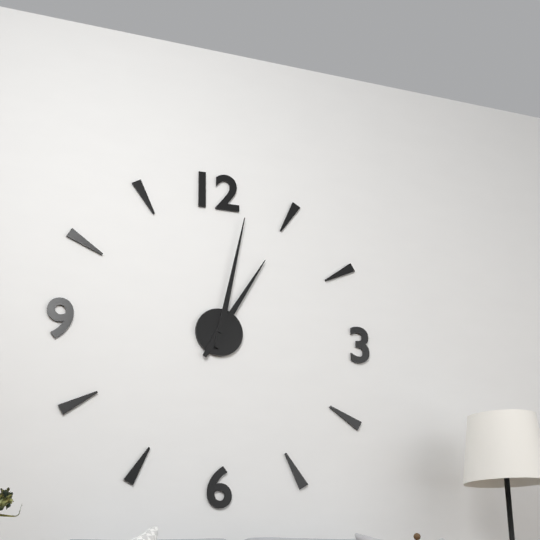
**1:02**
